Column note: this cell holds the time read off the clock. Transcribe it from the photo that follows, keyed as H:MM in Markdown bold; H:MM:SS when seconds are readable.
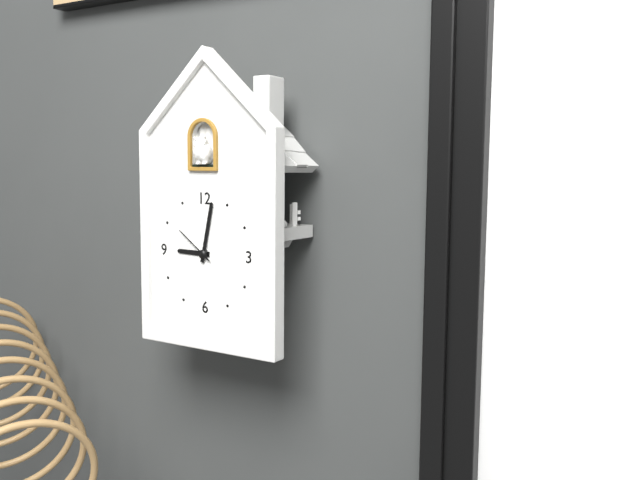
**9:02:51**
